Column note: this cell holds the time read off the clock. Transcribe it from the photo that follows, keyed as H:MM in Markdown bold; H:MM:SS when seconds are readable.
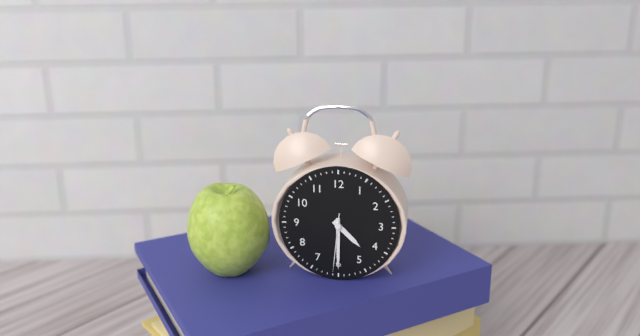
**4:30:31**
